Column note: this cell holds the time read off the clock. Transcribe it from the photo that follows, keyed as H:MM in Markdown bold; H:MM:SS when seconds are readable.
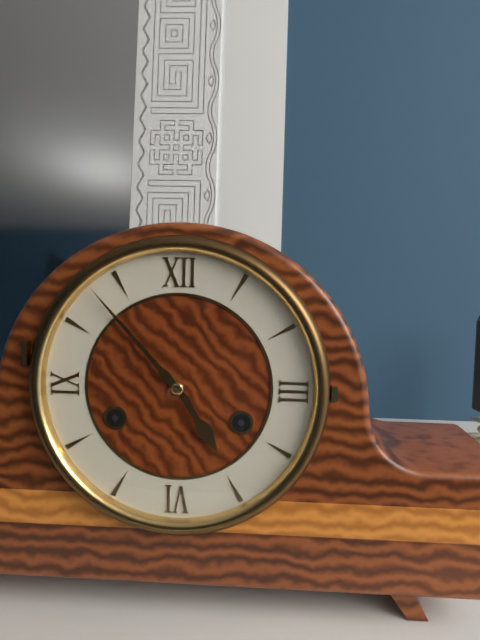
**4:53**
